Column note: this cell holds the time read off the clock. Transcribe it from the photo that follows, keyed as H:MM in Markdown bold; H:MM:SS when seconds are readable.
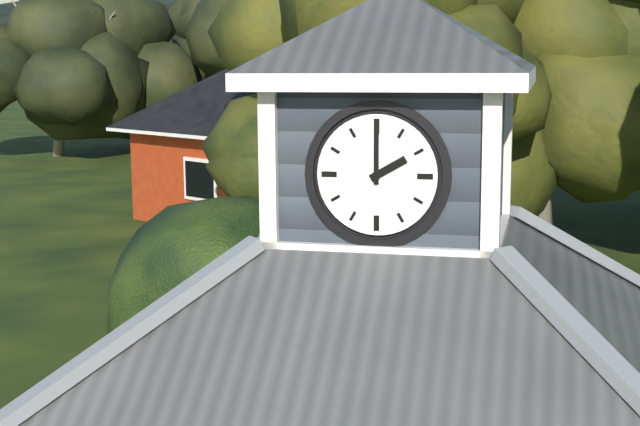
**2:00**
